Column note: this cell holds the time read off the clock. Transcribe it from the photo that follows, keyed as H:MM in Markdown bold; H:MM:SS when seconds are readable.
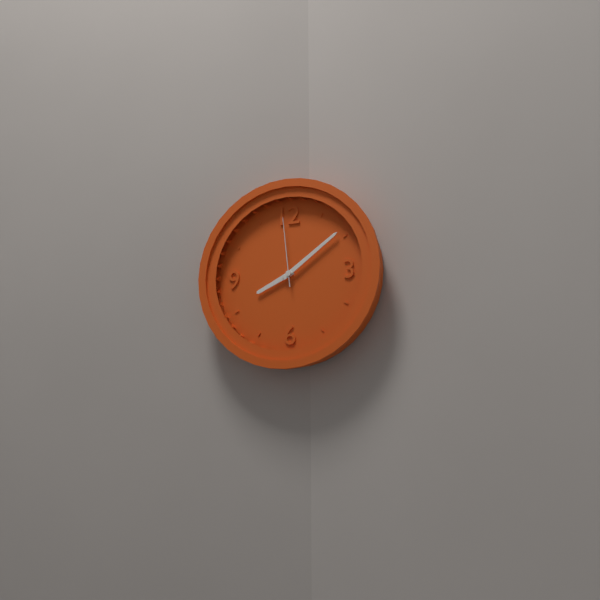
**8:09:59**
